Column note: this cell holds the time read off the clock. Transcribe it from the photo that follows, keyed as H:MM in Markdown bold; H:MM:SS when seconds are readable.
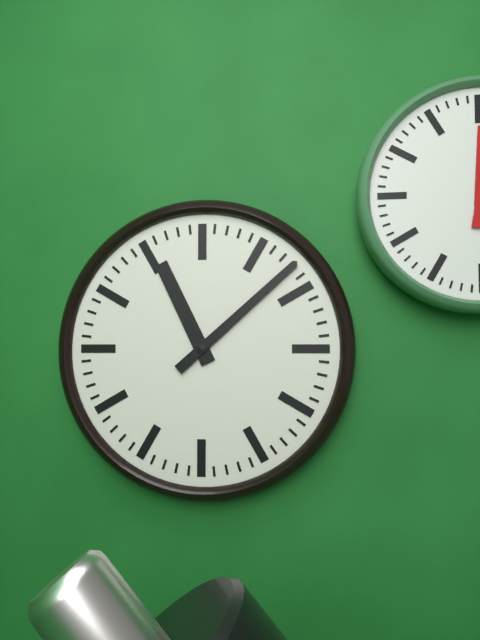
**11:08**
